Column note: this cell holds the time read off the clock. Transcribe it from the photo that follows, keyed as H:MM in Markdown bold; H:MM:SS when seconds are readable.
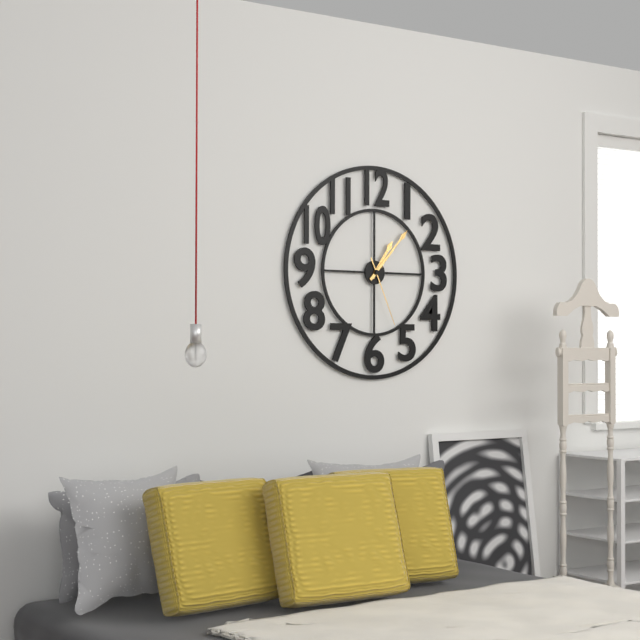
**1:07:26**
